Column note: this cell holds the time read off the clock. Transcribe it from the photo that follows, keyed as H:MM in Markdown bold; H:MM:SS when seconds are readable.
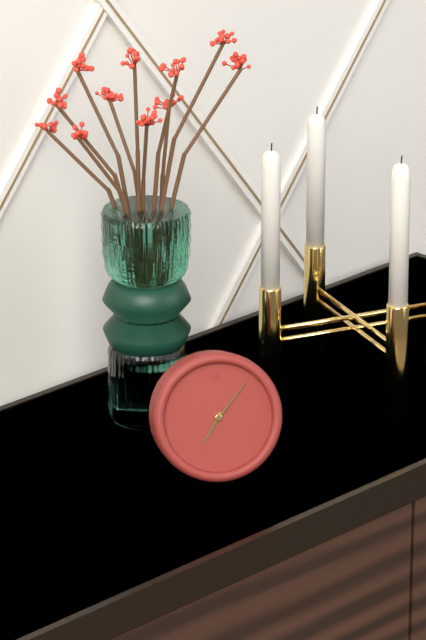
**7:07**
